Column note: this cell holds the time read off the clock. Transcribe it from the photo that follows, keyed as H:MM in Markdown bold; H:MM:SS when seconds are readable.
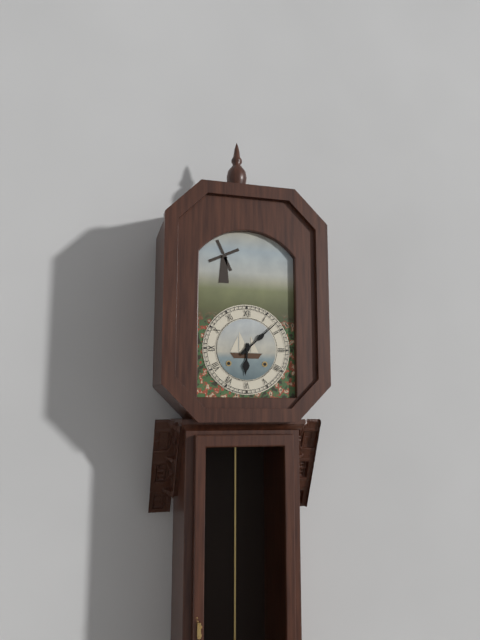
**6:08**
